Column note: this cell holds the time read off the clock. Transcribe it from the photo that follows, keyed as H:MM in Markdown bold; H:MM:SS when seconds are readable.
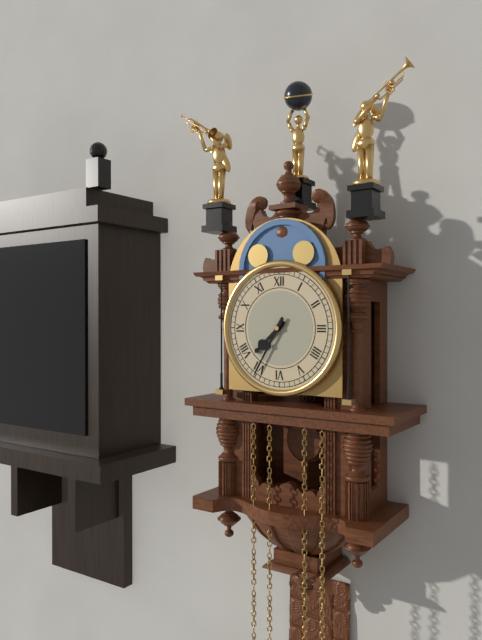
**7:35**
